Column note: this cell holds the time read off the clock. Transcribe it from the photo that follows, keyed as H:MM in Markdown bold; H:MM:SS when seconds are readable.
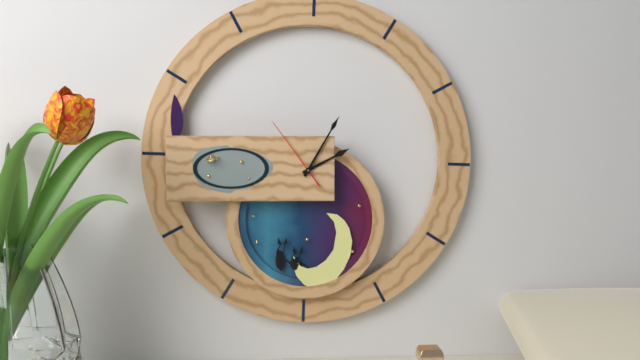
**2:05:54**
